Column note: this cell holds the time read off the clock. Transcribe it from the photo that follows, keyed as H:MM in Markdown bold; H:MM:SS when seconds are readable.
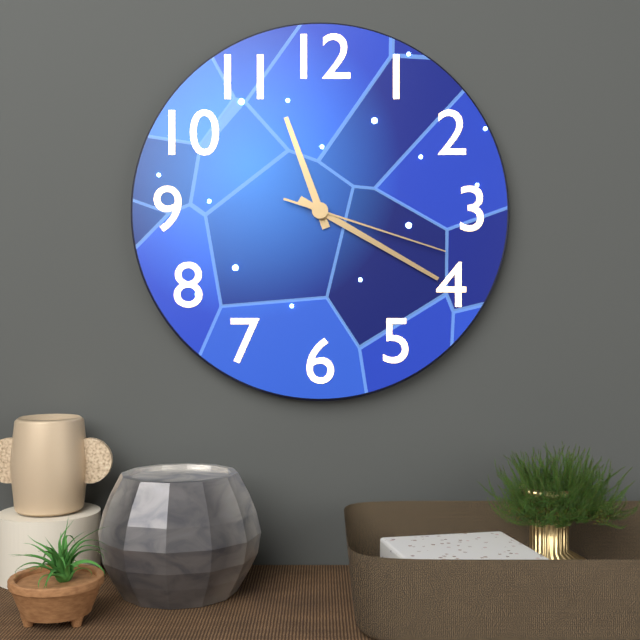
**11:20:18**
